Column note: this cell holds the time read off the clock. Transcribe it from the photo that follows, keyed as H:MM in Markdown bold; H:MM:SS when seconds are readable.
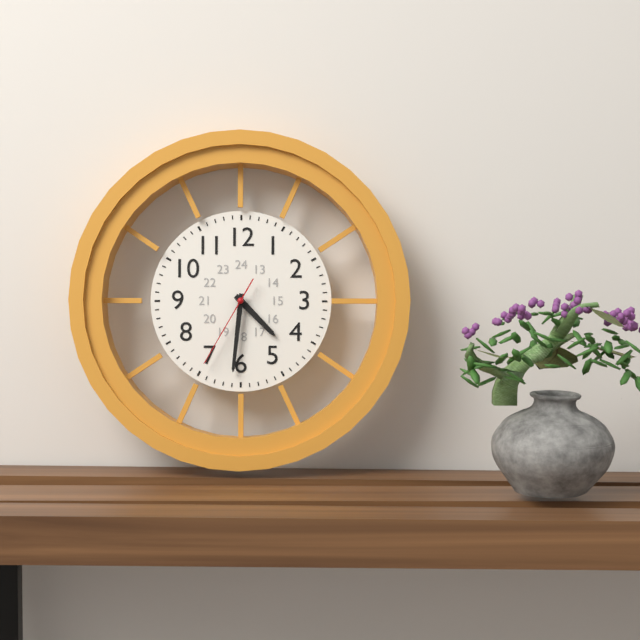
**4:31:35**
